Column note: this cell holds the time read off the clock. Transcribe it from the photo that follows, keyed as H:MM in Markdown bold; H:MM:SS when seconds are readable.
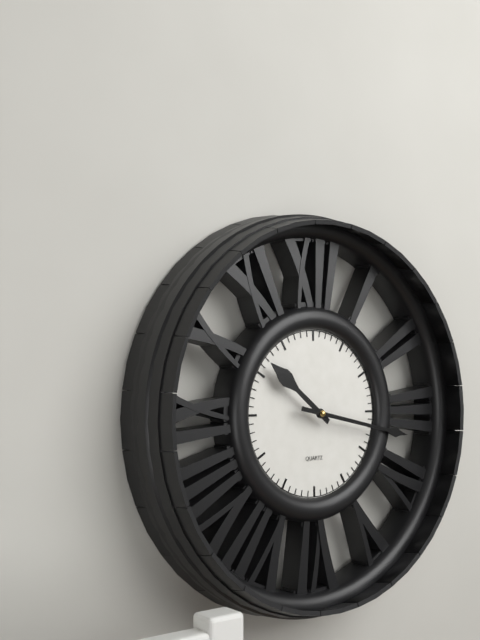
**10:17**
